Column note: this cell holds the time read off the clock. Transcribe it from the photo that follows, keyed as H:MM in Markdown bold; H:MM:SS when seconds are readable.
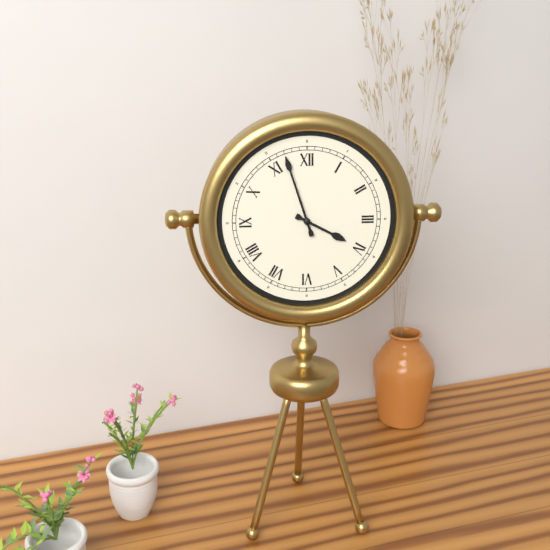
**3:57**
